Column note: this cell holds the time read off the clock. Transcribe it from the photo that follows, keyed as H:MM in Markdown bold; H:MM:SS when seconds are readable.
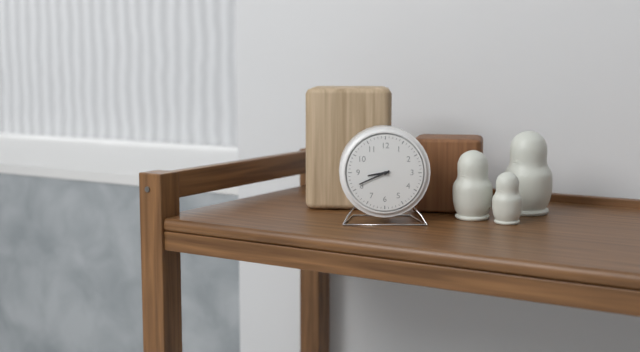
**8:41**
